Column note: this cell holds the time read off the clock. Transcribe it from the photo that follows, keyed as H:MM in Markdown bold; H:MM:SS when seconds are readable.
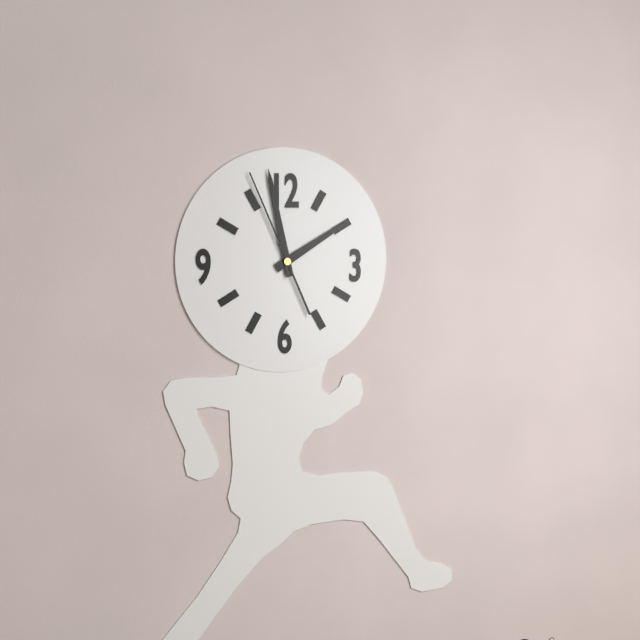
**1:58:56**
